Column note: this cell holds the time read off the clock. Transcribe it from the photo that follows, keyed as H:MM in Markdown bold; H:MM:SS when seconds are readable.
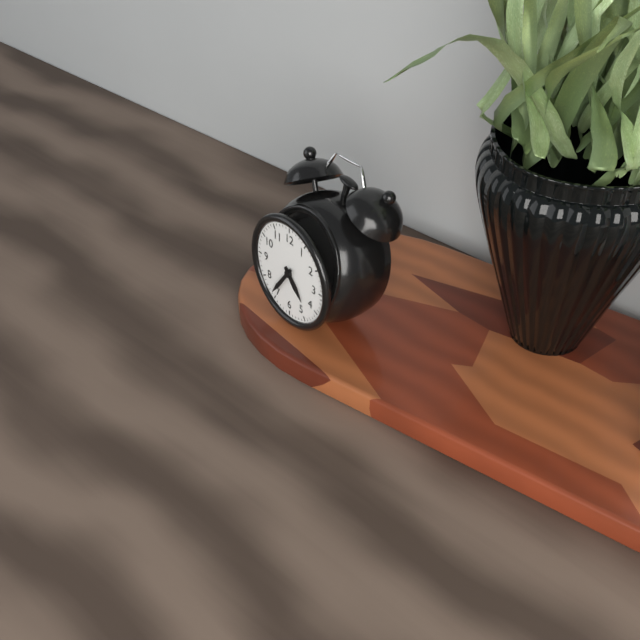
**4:36**
